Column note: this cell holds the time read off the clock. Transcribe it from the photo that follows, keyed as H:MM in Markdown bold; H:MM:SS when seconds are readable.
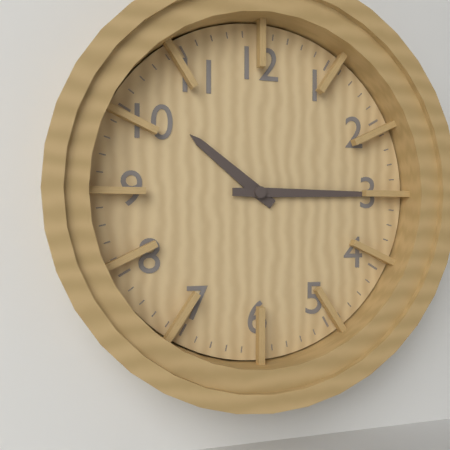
**10:15**
